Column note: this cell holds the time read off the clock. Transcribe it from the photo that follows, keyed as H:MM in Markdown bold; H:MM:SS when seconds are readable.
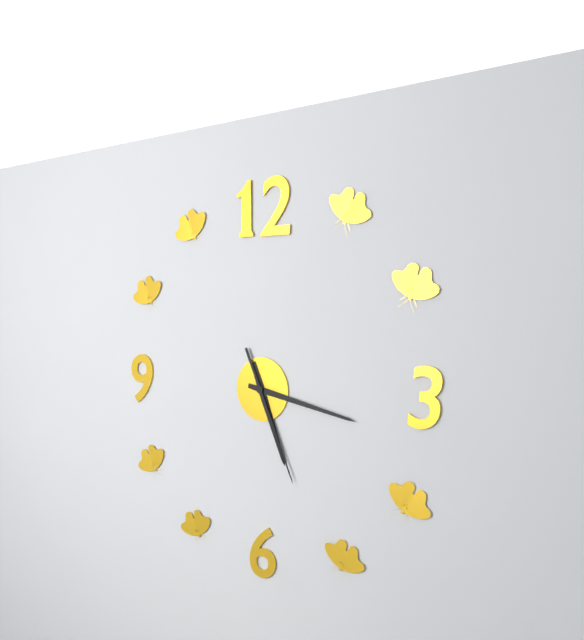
**5:17:26**
